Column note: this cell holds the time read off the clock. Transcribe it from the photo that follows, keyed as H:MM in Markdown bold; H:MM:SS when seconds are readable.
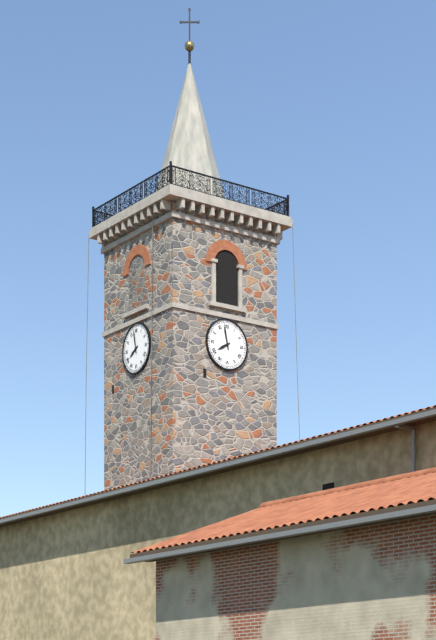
**7:58**
